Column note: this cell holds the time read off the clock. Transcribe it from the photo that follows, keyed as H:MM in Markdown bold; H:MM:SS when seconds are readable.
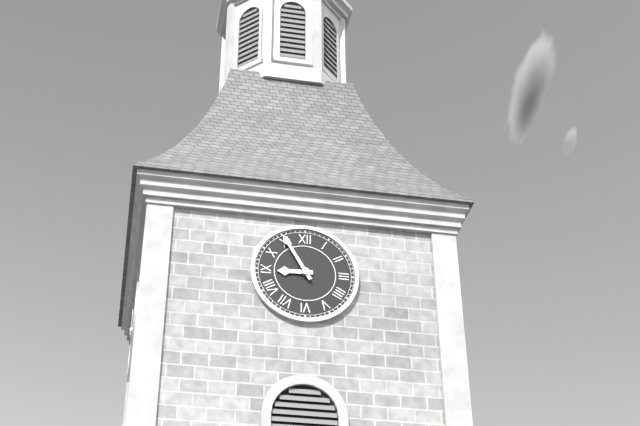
**8:55**
